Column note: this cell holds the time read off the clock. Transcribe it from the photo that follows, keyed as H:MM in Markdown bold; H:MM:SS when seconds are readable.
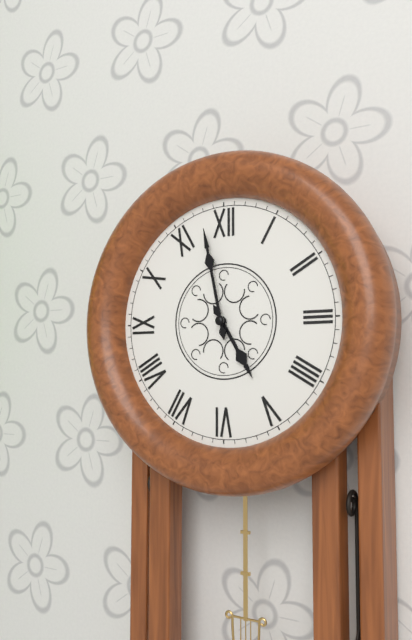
**4:58**
